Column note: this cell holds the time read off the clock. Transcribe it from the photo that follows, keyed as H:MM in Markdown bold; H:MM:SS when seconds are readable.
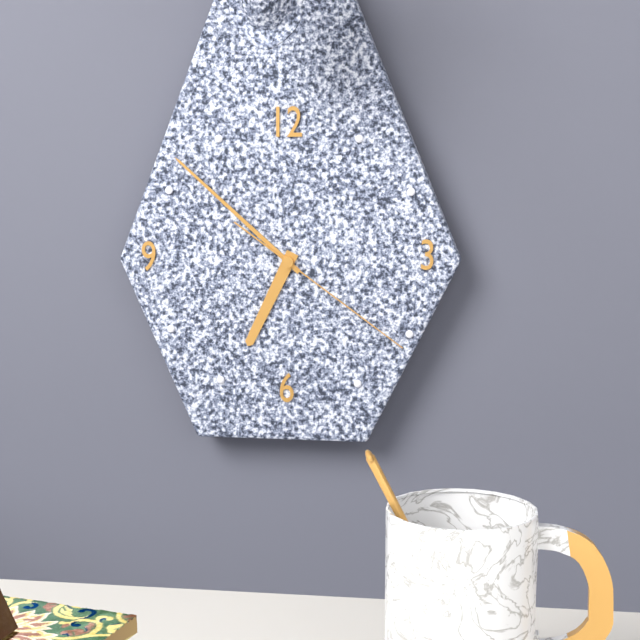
**6:52:21**
